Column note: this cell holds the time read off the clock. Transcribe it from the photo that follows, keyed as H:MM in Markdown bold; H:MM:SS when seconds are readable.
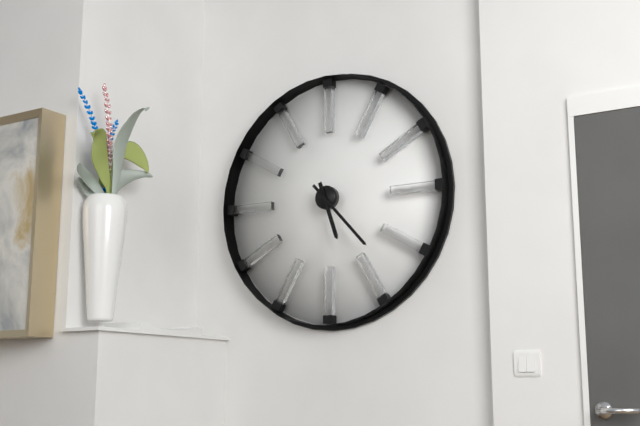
**5:23**
